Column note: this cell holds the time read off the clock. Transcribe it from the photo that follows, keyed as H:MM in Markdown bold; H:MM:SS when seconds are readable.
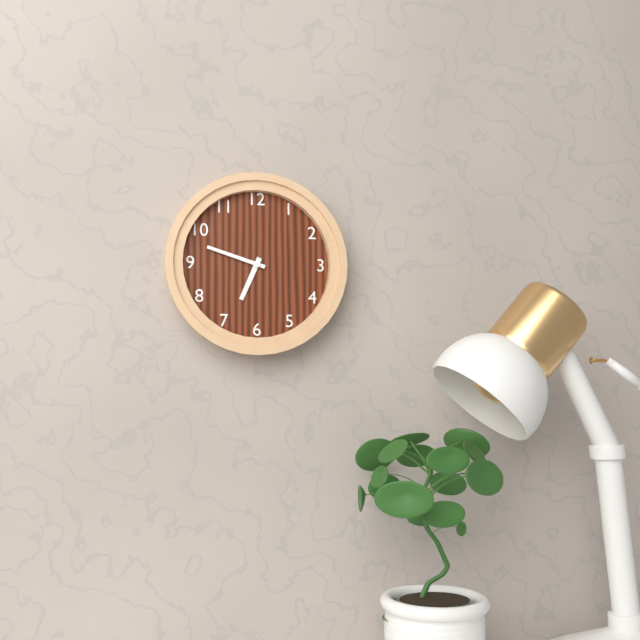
**6:48**
